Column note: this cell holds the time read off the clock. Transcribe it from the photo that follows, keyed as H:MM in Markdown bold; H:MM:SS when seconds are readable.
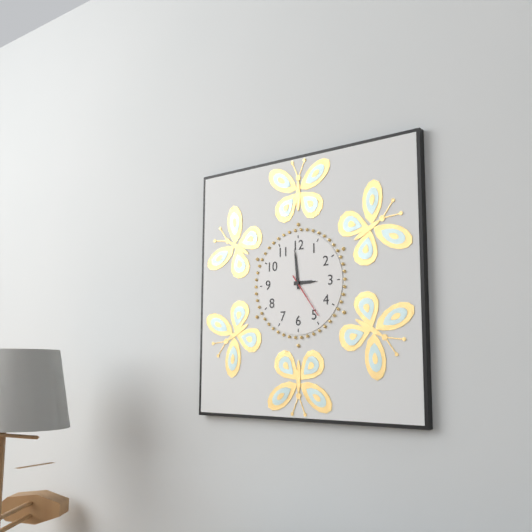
**2:59**
